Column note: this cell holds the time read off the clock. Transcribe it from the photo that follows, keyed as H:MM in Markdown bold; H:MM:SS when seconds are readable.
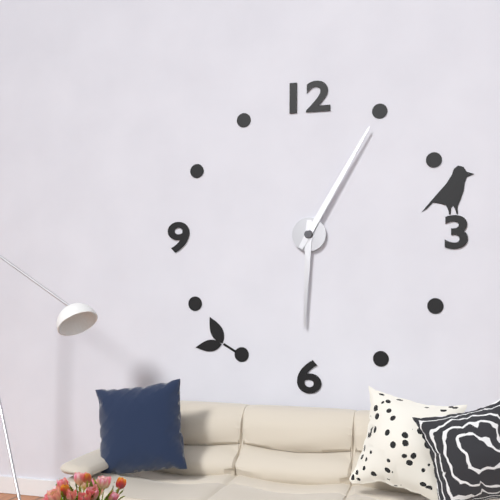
**6:05**
